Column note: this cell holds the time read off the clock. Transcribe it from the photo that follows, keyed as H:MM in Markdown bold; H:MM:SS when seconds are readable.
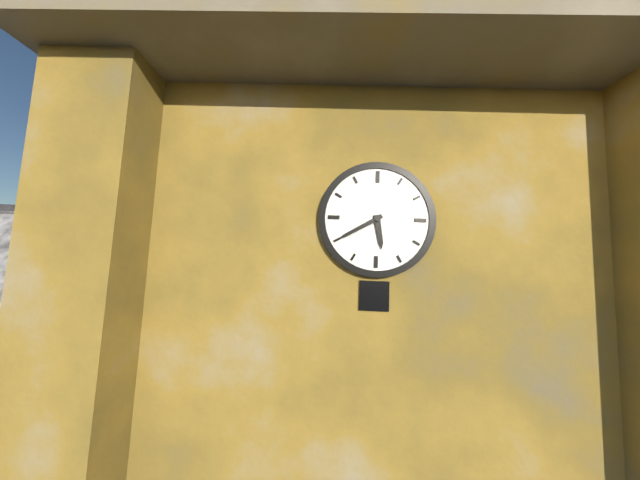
**5:40**
